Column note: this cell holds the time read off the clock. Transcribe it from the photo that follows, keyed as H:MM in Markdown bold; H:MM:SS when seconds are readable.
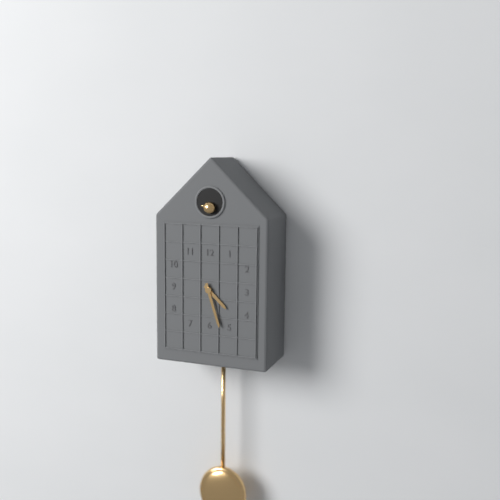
**4:27**
